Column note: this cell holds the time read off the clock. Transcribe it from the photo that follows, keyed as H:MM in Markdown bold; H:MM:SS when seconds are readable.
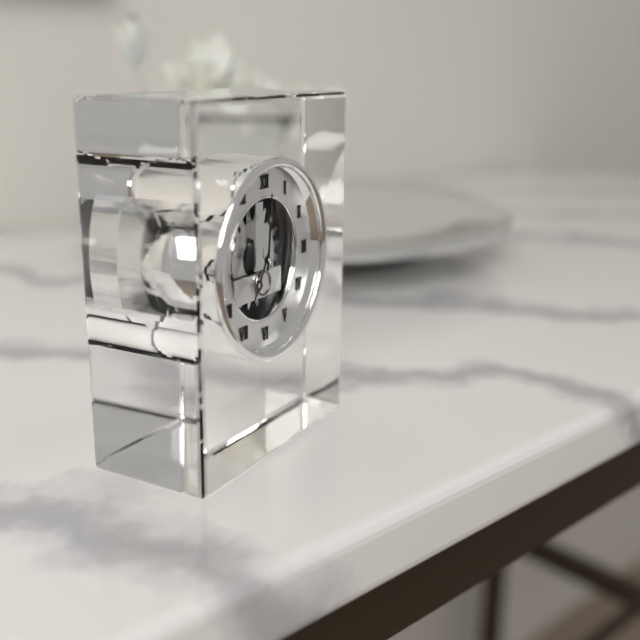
**7:01**
